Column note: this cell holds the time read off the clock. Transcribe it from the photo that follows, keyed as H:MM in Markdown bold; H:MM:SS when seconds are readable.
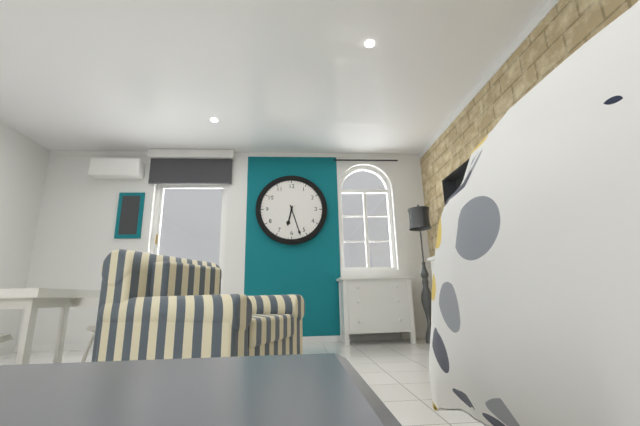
**6:27**
